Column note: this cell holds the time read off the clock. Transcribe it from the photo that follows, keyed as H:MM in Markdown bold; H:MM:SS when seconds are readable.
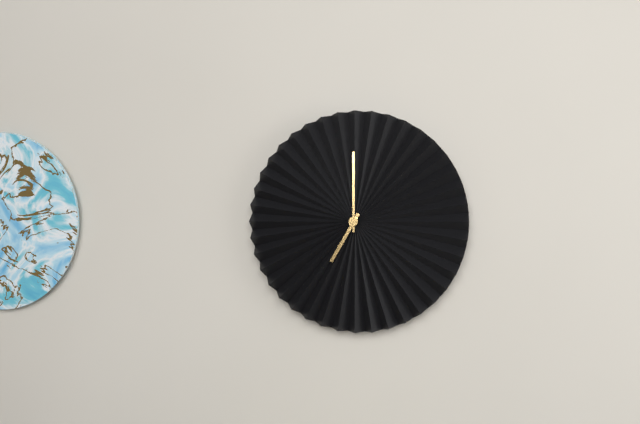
**7:00**
